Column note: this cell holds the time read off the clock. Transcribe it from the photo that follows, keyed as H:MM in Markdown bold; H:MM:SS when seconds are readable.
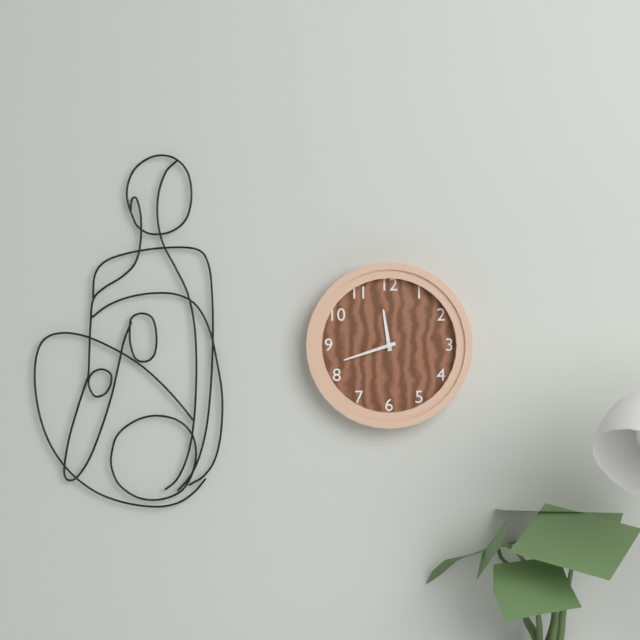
**11:42**
